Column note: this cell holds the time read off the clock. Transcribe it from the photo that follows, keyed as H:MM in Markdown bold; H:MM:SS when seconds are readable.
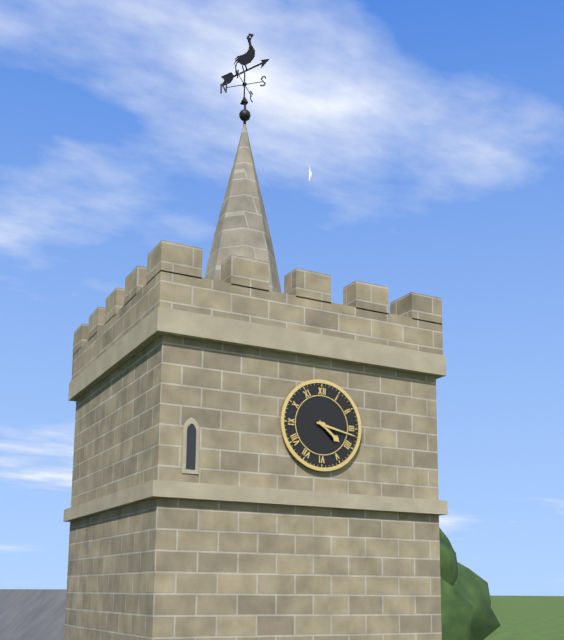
**4:17**
